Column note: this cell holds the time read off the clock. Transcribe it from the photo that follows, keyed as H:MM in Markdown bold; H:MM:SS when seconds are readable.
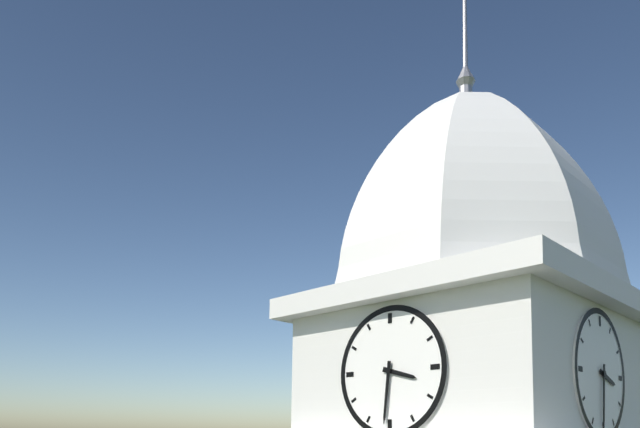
**3:31**
